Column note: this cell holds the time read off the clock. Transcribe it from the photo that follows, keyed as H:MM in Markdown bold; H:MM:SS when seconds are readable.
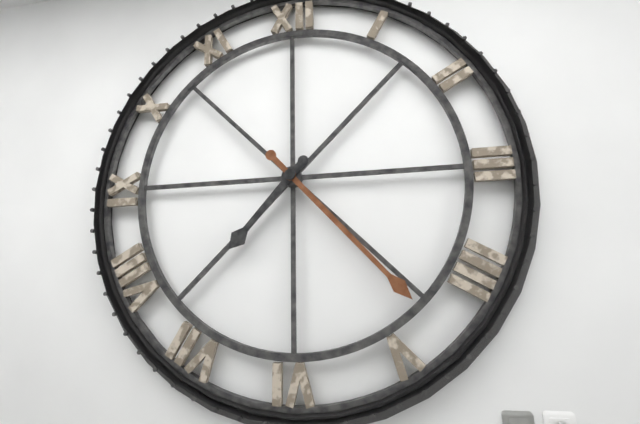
**7:23**
